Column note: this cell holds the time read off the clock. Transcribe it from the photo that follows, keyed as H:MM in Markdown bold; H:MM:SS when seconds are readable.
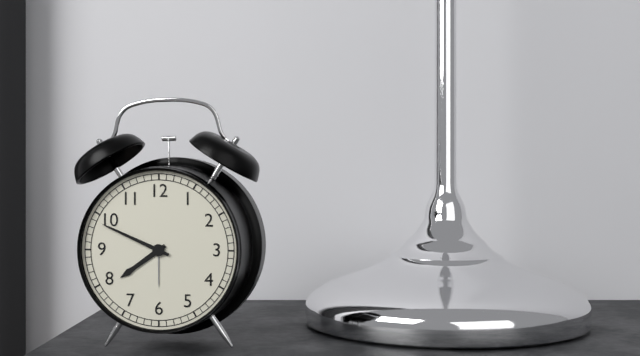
**7:49**
